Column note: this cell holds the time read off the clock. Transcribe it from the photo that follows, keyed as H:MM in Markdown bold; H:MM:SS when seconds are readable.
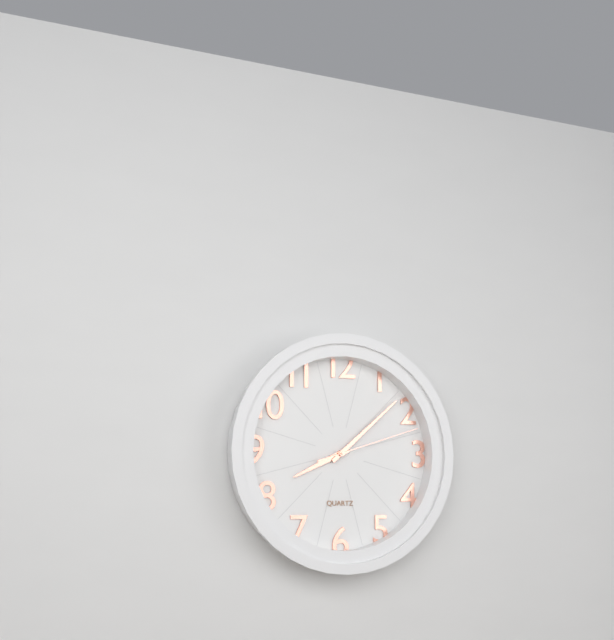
**8:08:12**
